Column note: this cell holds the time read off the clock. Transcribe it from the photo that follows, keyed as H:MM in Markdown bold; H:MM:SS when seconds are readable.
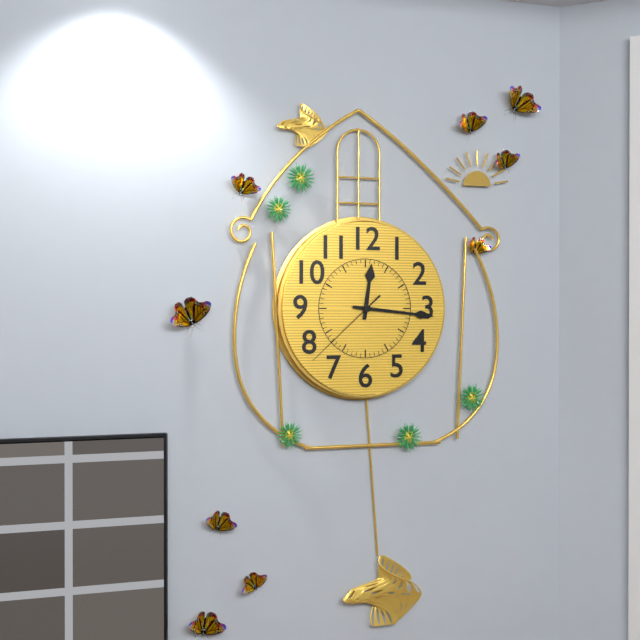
**12:16:38**
